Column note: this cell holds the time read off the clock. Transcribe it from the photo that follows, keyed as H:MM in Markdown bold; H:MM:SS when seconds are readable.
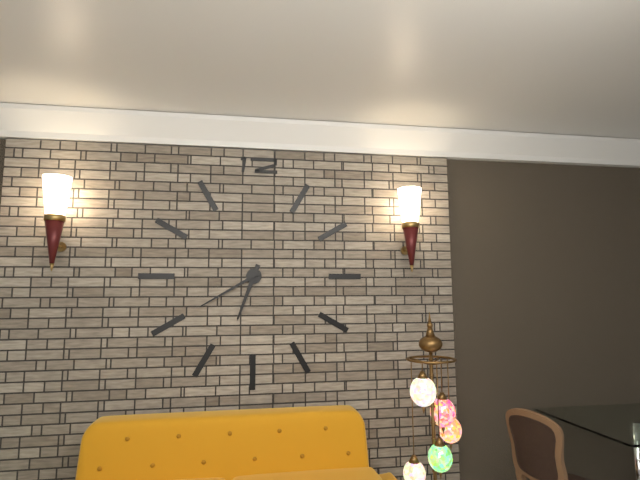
**6:40**
